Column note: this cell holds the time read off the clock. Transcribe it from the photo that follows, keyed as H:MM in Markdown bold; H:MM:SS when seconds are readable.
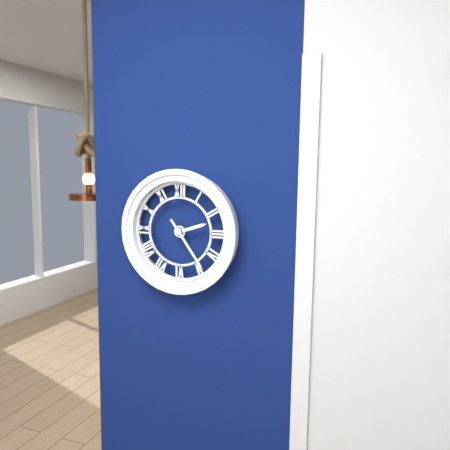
**2:24**
